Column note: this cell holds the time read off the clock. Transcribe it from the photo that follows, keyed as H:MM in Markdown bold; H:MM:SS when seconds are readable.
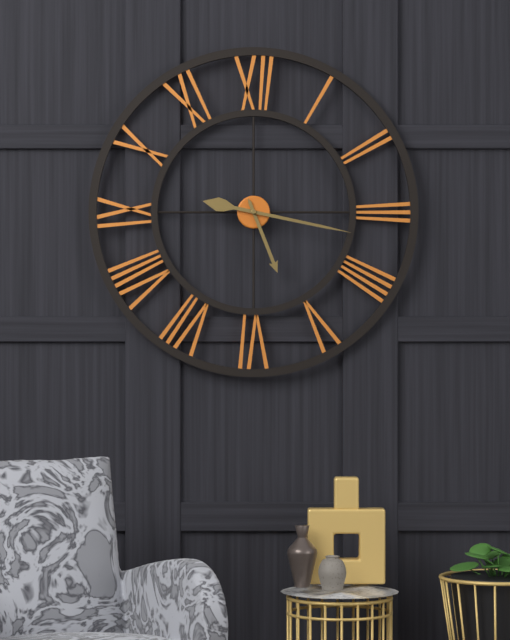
**5:17**
